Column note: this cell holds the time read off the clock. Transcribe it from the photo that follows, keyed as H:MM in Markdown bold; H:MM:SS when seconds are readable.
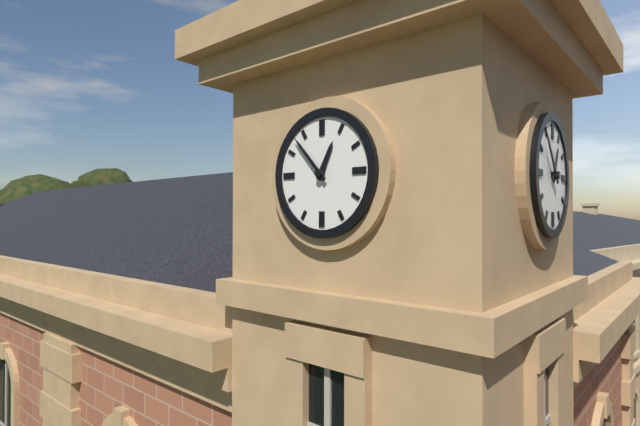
**12:53**
